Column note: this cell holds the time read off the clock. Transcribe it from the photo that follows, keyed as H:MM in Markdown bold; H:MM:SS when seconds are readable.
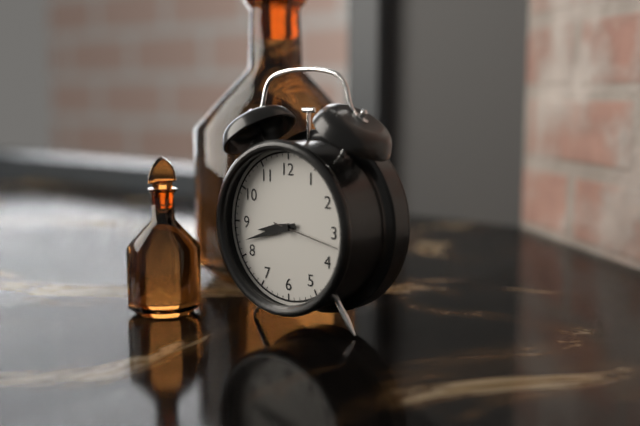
**8:42:17**
